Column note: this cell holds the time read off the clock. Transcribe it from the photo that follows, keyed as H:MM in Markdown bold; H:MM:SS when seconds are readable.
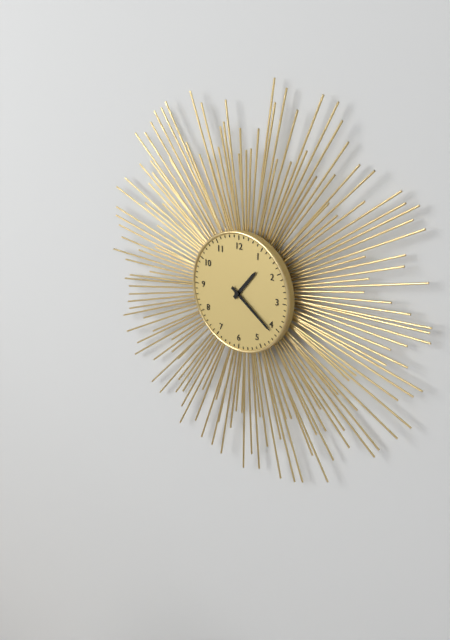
**1:21**
